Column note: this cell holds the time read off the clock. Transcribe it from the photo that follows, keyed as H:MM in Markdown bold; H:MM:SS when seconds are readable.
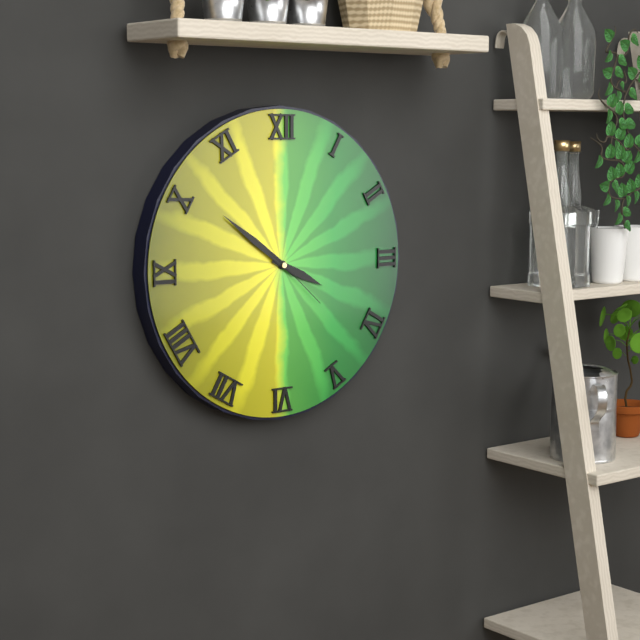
**3:51:22**
